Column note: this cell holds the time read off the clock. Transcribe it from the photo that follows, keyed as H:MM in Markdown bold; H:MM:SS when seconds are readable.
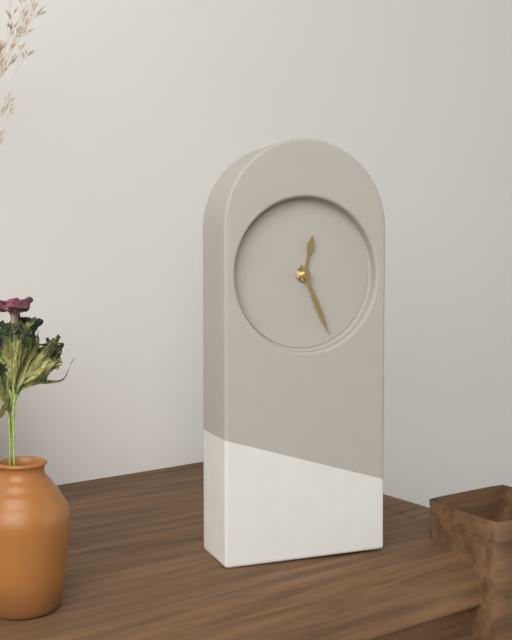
**12:26**
